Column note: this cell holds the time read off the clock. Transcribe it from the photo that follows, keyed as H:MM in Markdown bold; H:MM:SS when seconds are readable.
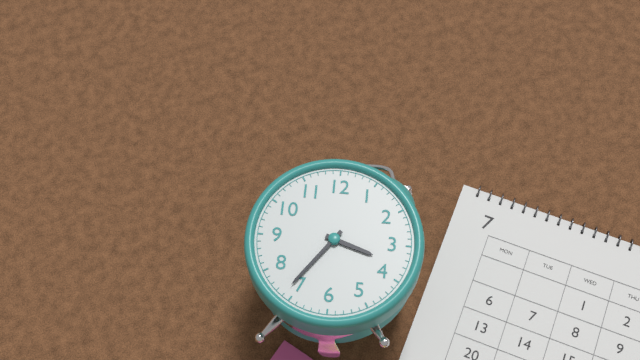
**3:36**
